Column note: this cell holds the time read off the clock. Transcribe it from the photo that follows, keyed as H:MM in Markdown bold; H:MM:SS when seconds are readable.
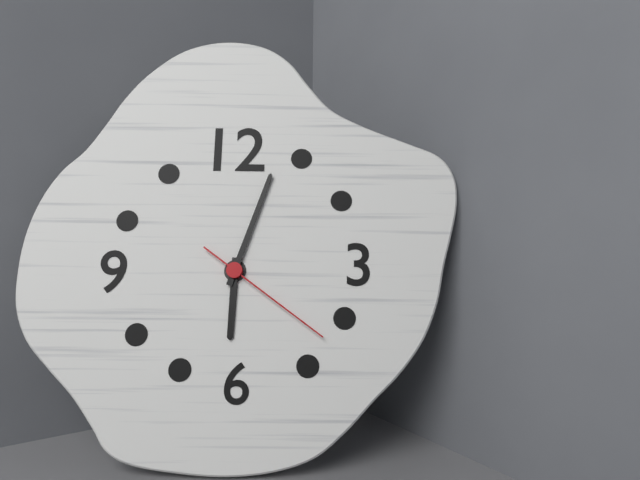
**6:03:21**
